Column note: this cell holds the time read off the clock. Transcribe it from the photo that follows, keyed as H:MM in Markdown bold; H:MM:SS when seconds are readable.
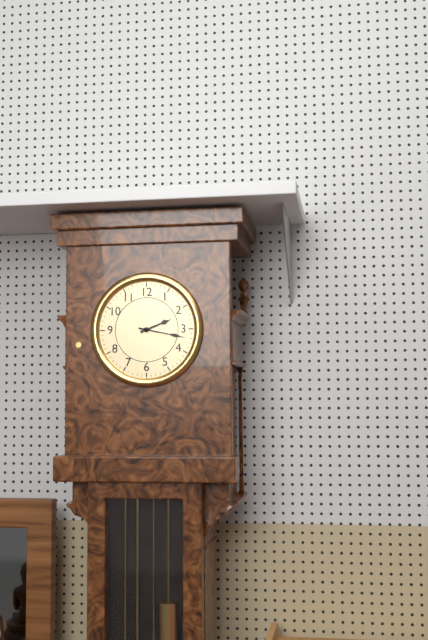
**2:17**
